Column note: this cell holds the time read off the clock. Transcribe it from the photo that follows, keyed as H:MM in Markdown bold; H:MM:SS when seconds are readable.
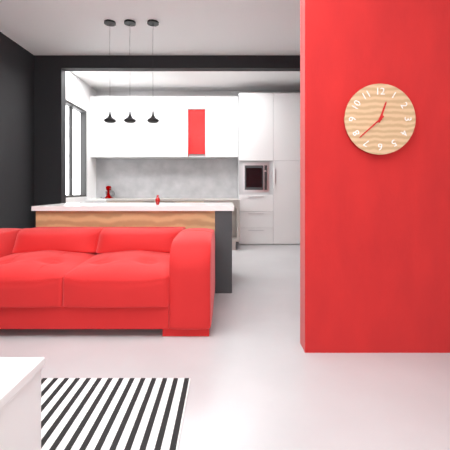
**12:38**
